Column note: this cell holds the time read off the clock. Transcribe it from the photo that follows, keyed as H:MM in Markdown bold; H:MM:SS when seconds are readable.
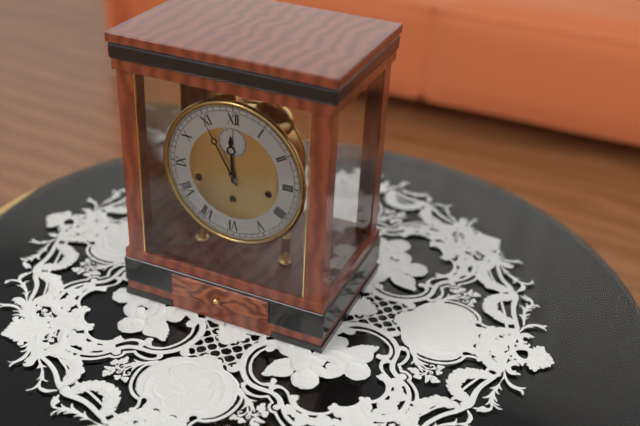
**11:55**
